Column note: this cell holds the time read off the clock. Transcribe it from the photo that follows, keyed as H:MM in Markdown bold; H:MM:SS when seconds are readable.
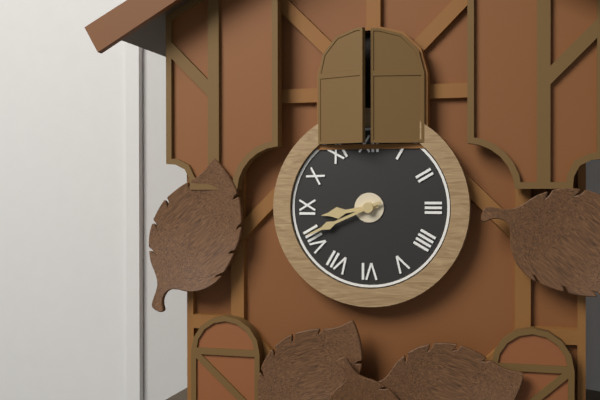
**8:41**
